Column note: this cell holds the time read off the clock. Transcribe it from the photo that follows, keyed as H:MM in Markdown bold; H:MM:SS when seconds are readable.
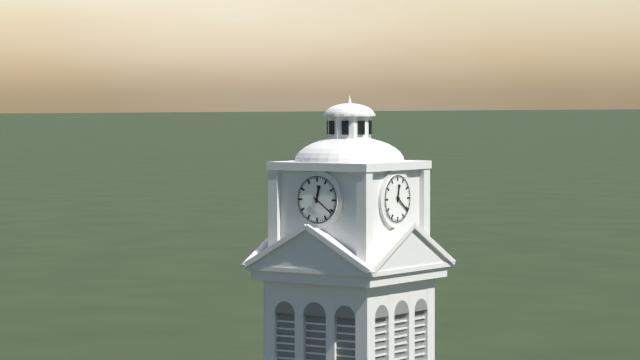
**12:21**
